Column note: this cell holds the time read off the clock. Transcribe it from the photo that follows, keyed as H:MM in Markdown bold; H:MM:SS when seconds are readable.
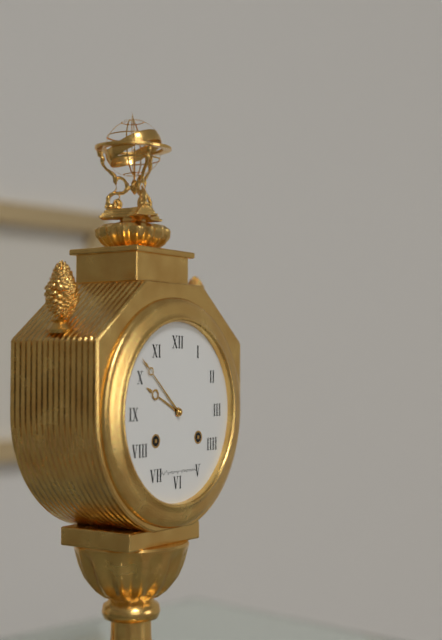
**9:52**
